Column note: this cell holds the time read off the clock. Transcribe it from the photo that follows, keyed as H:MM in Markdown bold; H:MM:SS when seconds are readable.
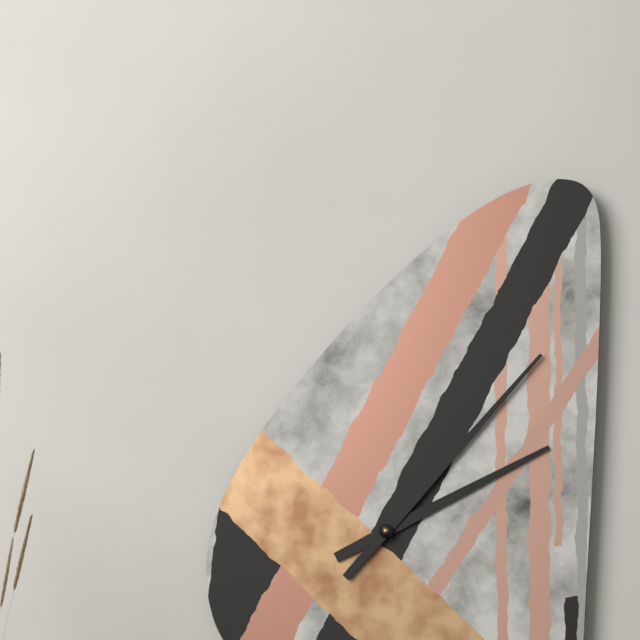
**2:07**
